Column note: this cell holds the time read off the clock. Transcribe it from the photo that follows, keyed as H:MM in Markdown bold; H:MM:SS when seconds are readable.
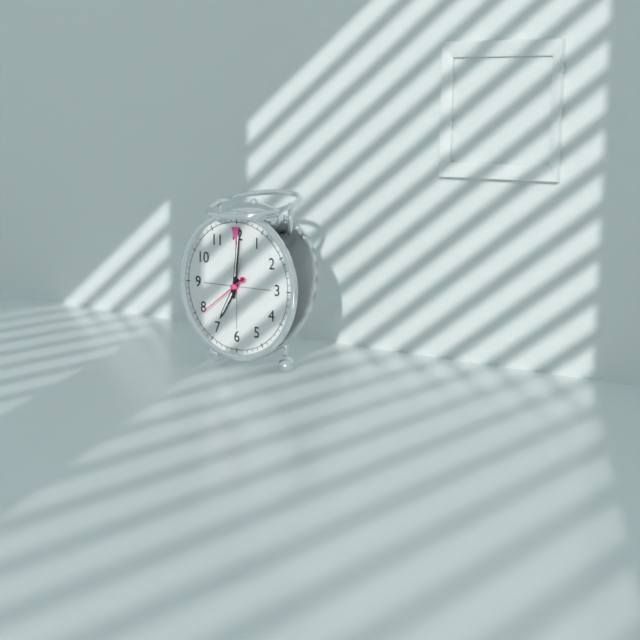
**7:01:39**
